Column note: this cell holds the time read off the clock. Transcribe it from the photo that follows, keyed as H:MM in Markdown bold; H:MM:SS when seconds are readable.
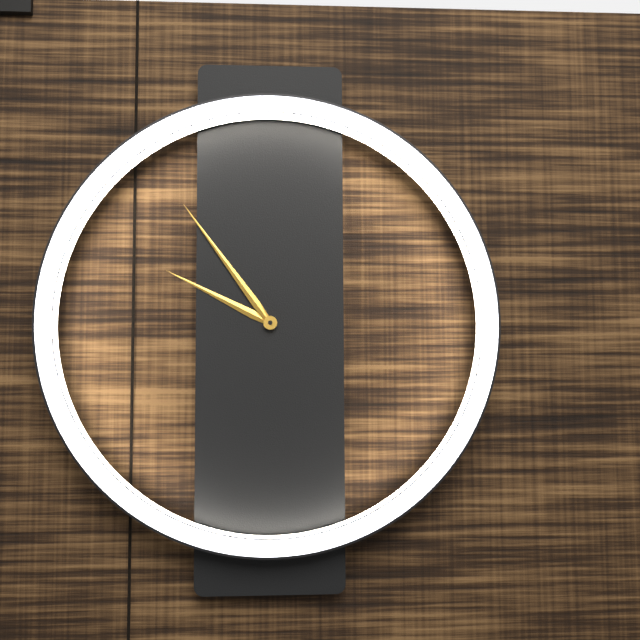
**9:54**
